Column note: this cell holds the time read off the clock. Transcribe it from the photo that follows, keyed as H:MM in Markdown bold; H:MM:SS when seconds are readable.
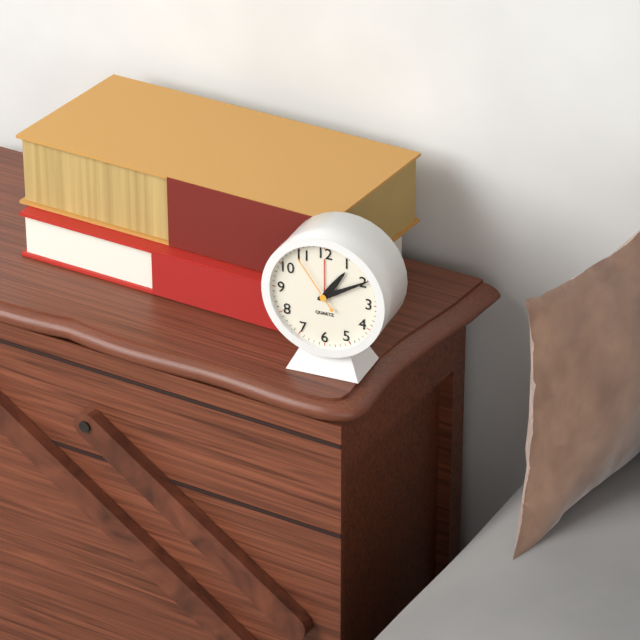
**1:10:54**
